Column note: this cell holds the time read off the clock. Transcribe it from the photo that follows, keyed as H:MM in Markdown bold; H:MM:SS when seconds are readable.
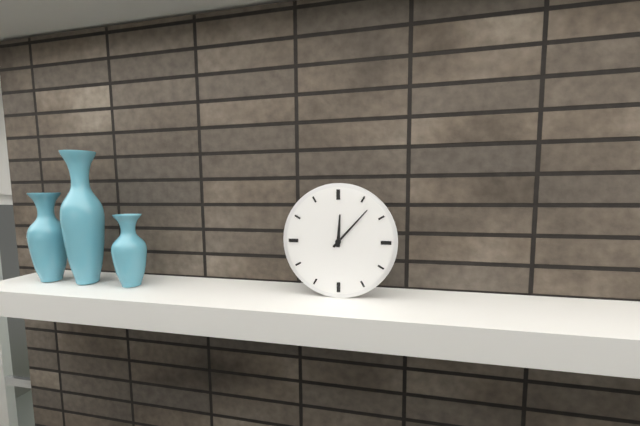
**12:07**
